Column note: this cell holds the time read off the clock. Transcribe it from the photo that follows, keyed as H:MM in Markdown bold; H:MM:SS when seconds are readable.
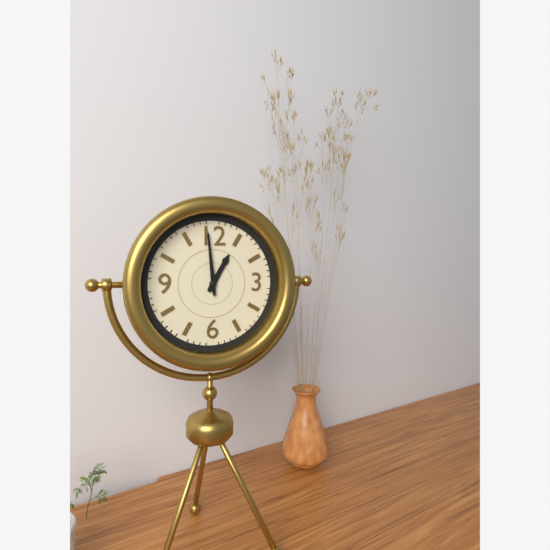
**12:59**
